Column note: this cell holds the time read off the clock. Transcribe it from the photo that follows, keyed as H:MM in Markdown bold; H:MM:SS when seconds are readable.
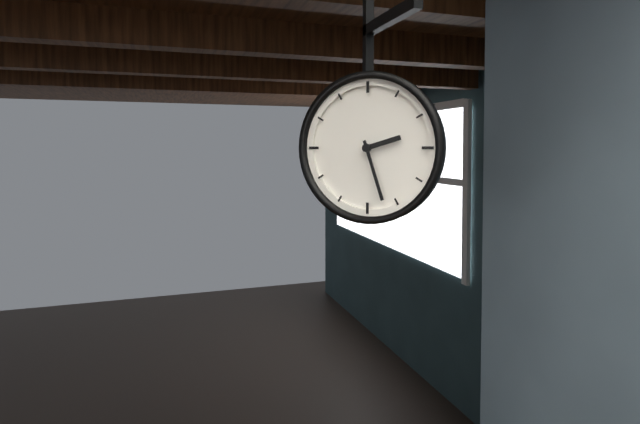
**2:27**
